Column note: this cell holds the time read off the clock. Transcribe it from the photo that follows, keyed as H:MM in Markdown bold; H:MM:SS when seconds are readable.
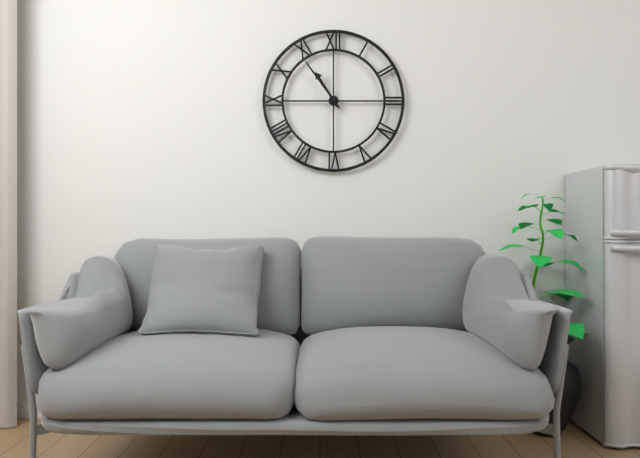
**10:54**
